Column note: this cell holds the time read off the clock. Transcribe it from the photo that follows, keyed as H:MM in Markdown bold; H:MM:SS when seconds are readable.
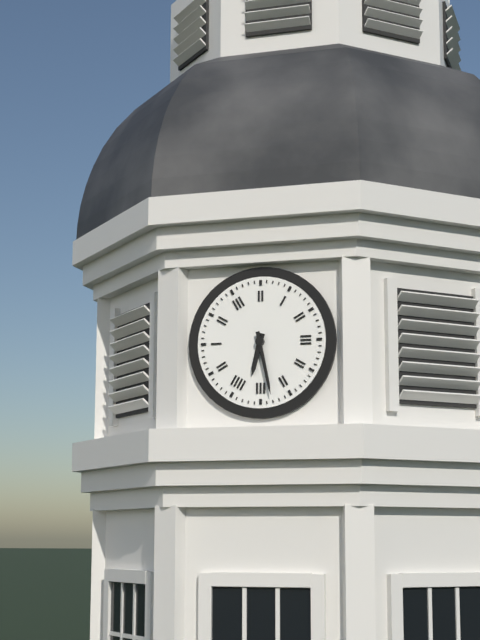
**6:28**
